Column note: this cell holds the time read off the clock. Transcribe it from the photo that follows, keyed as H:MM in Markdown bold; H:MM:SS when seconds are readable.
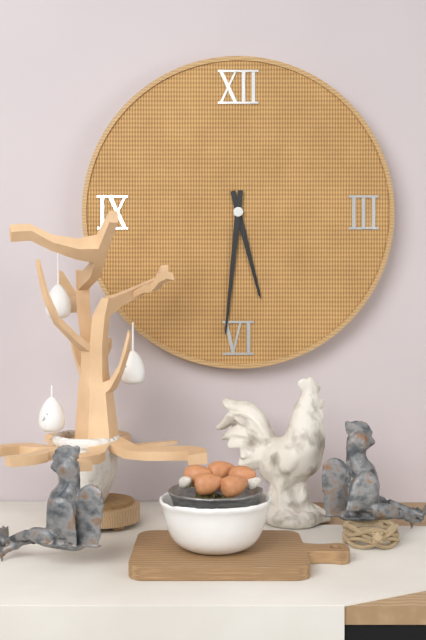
**5:31**
